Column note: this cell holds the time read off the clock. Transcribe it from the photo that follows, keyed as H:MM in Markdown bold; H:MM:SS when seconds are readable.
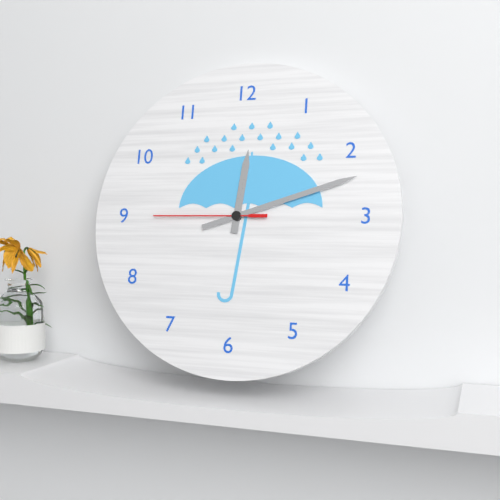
**12:12:45**
